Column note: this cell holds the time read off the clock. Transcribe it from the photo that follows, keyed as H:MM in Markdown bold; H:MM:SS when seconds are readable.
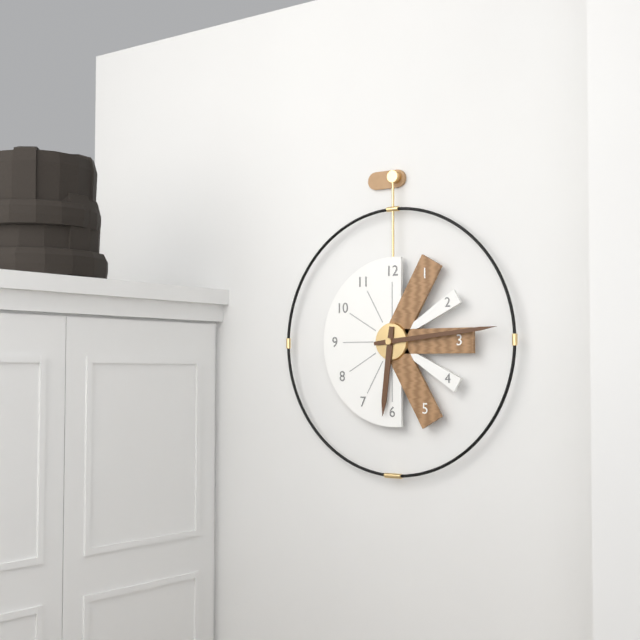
**6:14**
